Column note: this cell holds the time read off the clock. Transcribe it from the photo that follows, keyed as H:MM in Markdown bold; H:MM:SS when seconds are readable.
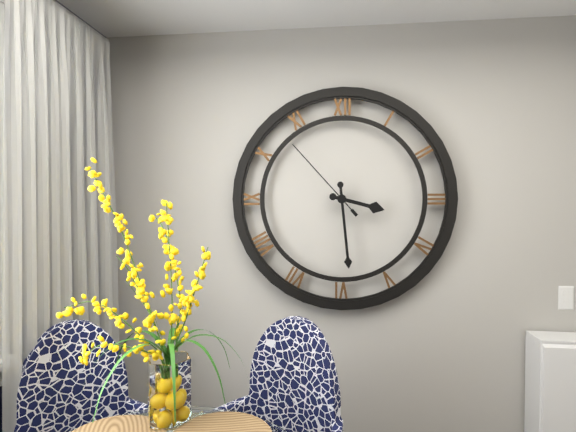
**3:29:53**
